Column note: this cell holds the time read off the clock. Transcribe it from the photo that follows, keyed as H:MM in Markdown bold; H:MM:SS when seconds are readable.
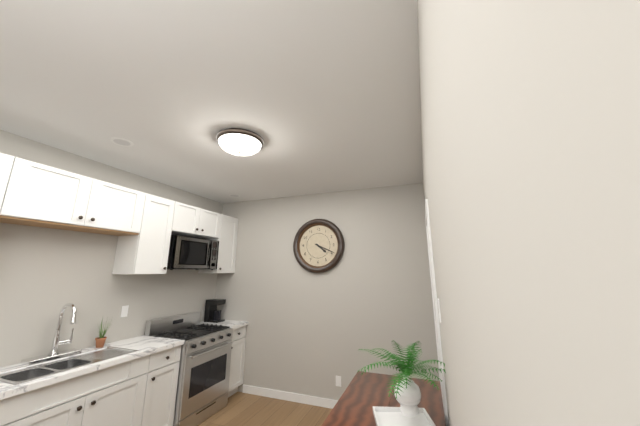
**4:19**
